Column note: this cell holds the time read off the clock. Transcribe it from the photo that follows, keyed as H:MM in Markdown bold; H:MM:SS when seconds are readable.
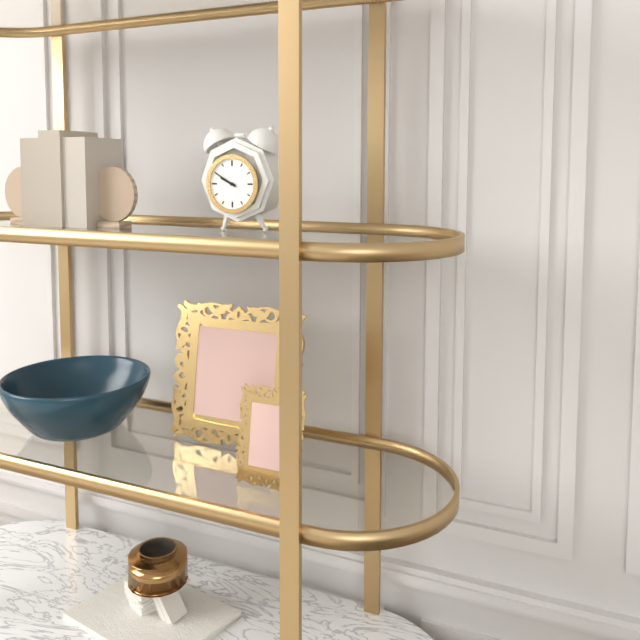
**9:50**
